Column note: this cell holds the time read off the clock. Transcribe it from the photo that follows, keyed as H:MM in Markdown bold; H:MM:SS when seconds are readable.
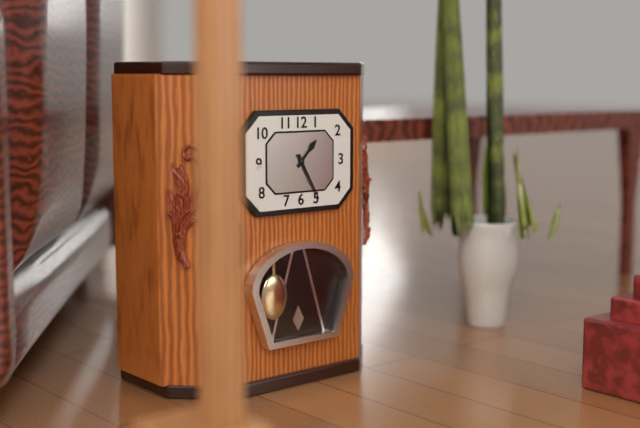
**1:25**
